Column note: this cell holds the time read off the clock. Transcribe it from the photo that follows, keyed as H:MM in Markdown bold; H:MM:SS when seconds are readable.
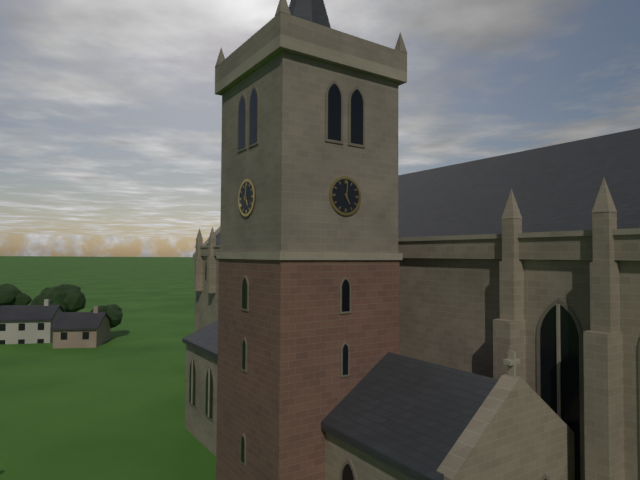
**5:01**
